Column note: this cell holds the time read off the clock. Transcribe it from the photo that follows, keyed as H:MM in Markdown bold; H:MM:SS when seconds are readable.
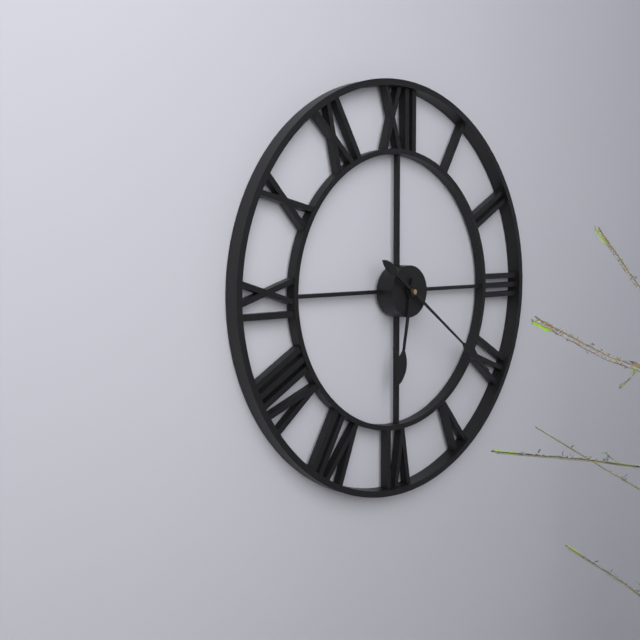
**6:21**
